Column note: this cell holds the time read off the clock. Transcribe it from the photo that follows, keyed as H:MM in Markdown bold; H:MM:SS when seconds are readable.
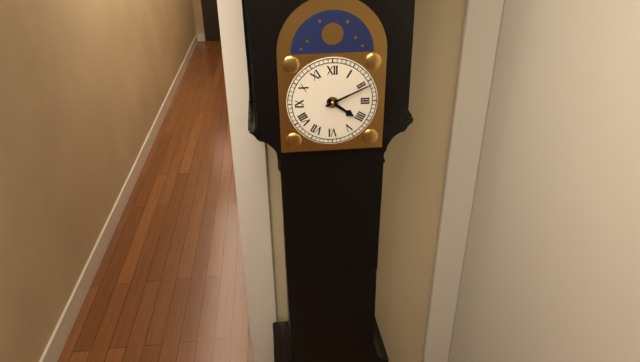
**4:11**
